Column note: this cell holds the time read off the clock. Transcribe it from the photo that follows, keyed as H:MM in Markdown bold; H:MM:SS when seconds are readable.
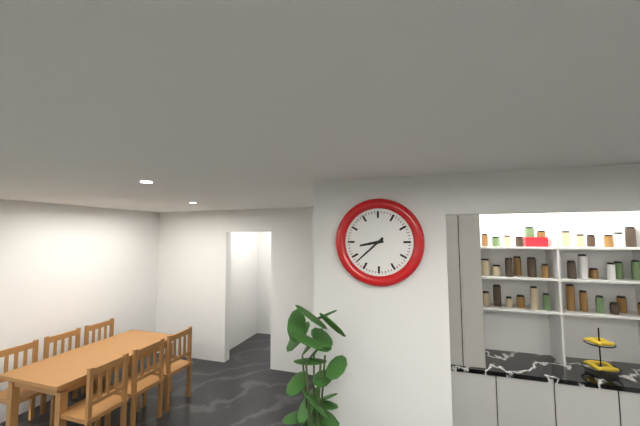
**8:38**
